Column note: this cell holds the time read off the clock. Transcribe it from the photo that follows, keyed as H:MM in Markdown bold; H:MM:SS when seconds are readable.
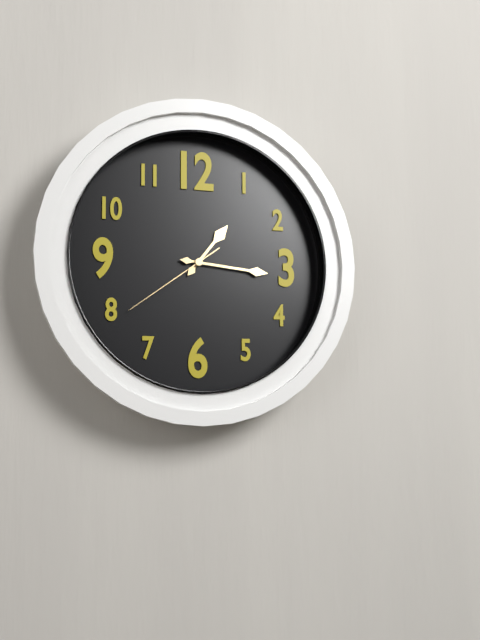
**1:16:39**
